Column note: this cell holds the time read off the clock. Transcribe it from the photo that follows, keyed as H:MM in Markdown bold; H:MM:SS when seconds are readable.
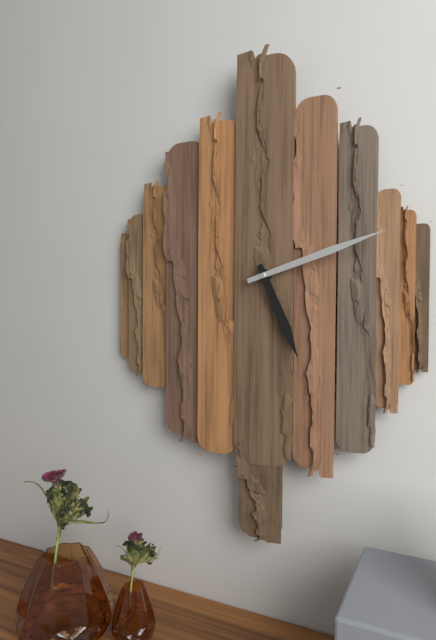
**5:12**
